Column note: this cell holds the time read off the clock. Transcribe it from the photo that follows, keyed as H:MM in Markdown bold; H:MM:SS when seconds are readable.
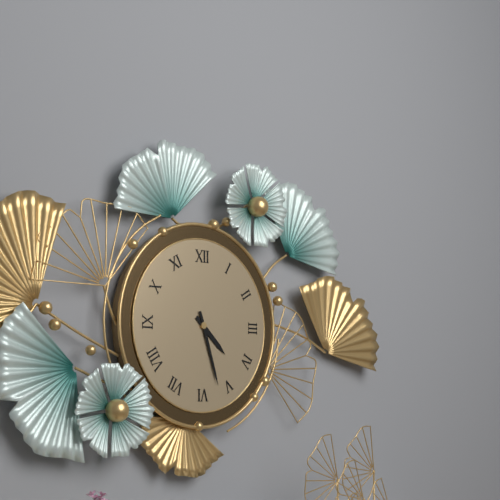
**4:27**
